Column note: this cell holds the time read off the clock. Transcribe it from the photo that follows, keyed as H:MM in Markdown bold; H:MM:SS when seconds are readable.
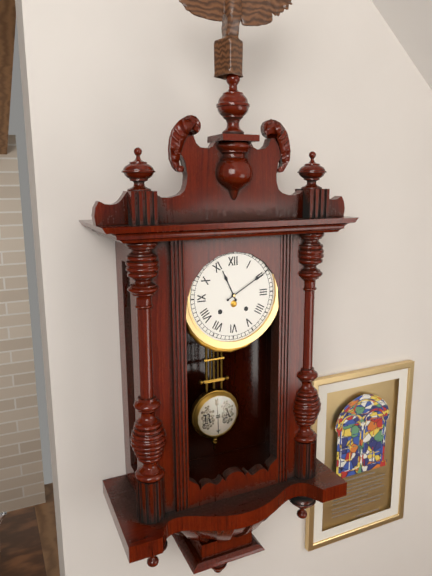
**11:10**
